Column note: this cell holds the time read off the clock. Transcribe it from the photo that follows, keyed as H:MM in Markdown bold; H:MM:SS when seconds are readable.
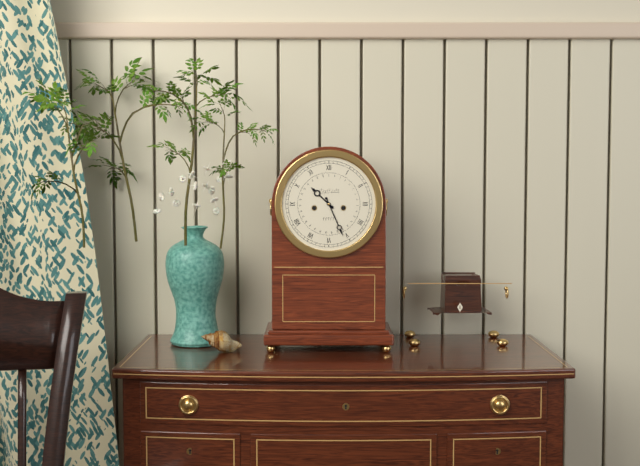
**10:26**
